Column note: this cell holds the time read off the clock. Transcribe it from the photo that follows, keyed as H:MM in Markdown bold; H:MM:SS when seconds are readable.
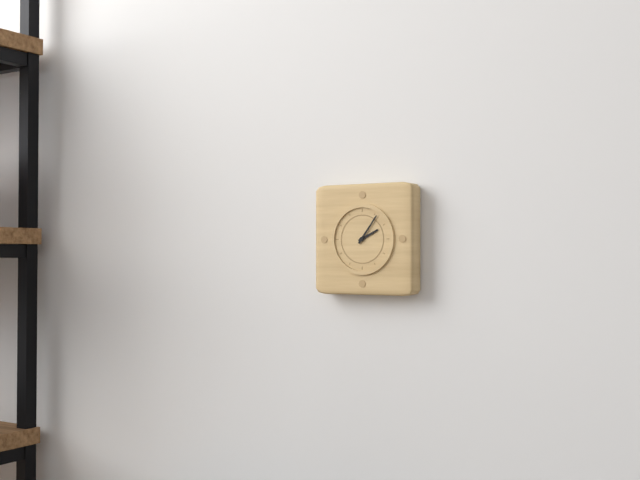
**2:06**
